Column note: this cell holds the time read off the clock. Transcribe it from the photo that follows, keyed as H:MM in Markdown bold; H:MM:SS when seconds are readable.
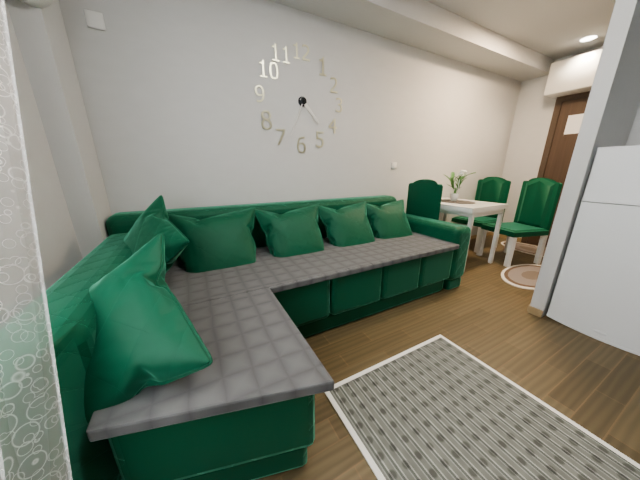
**4:34**
